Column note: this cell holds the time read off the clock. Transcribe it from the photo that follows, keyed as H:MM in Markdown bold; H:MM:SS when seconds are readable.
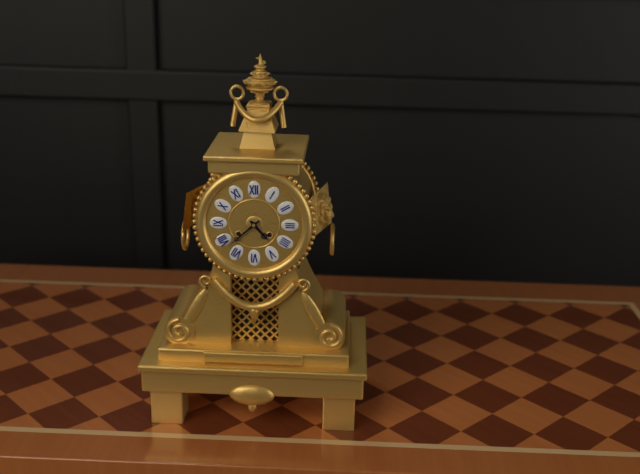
**4:38**
